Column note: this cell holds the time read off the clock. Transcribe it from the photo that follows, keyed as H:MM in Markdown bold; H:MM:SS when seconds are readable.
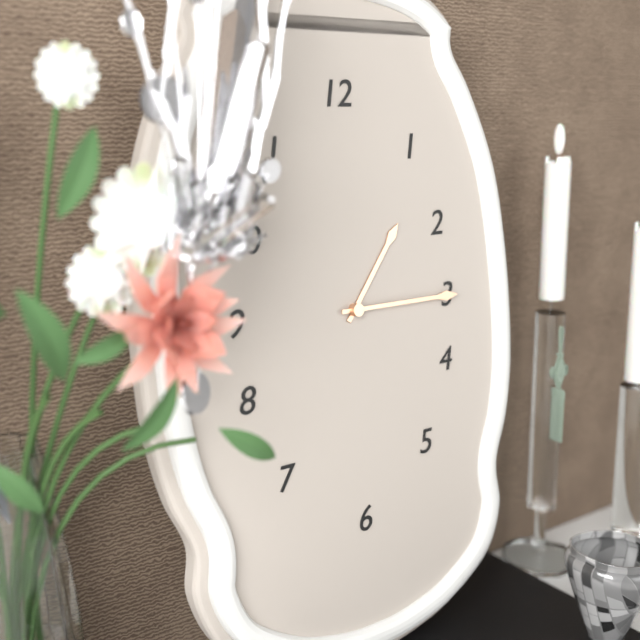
**1:15**
